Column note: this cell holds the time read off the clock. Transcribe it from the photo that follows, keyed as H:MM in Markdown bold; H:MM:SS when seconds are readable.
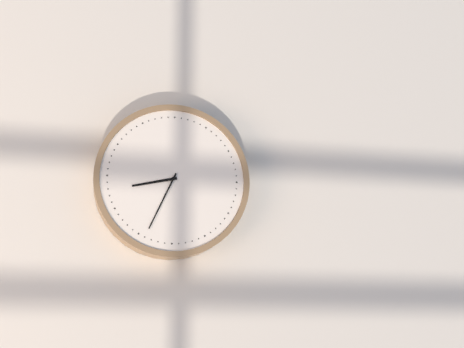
**8:34**
